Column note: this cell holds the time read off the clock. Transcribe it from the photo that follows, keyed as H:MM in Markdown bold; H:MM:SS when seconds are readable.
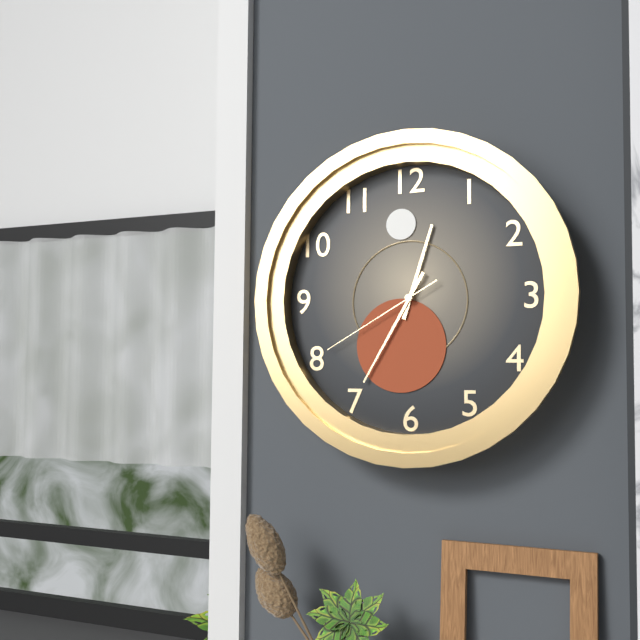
**12:35:40**
